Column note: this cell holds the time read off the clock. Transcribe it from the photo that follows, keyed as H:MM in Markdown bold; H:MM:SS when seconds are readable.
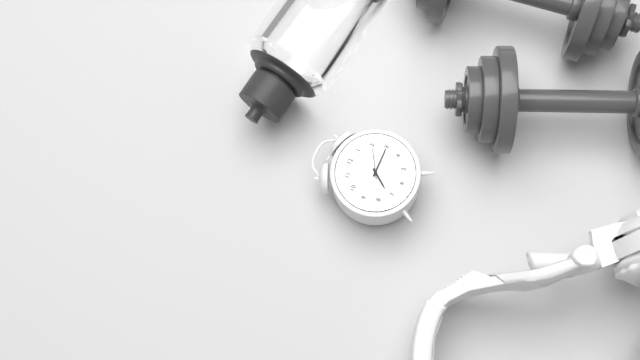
**7:15**
